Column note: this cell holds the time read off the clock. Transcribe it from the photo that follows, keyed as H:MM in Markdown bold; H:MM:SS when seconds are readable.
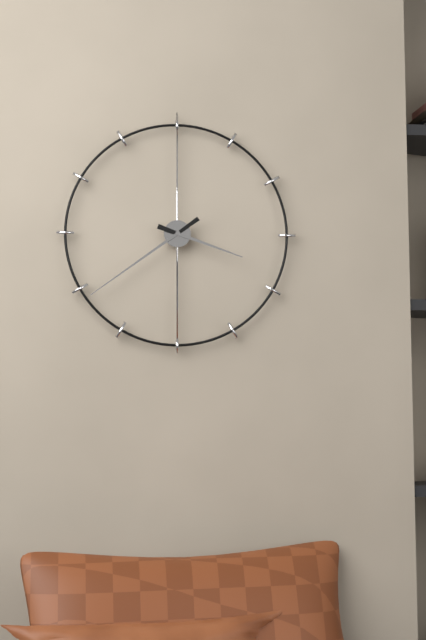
**3:39**
